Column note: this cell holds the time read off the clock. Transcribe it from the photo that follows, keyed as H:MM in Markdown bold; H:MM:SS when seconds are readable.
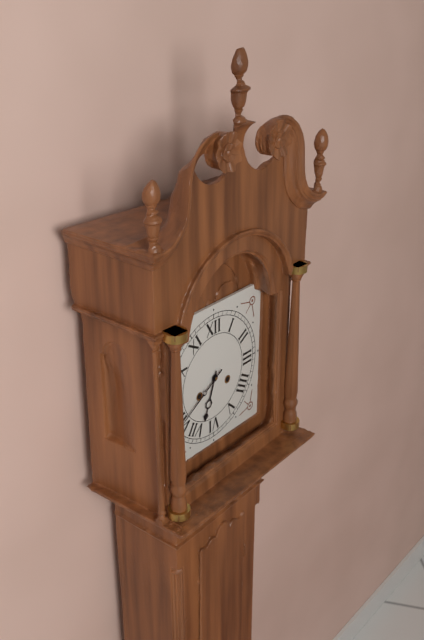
**6:40**
